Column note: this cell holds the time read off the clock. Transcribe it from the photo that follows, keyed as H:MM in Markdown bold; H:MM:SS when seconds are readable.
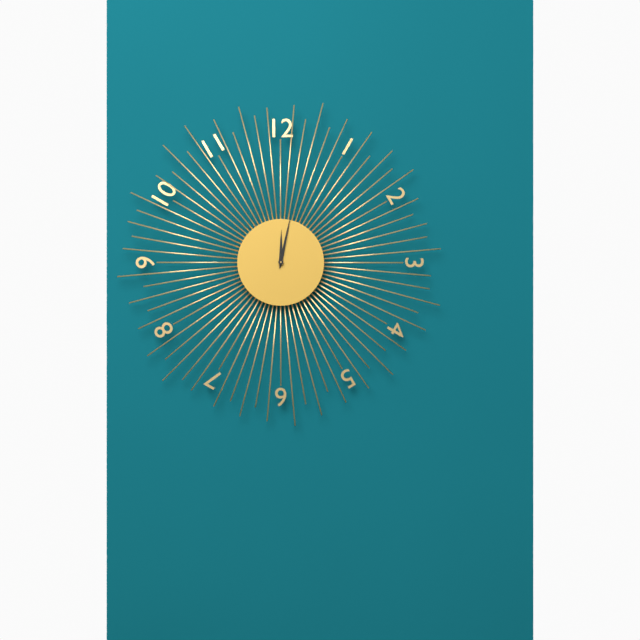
**12:02**
